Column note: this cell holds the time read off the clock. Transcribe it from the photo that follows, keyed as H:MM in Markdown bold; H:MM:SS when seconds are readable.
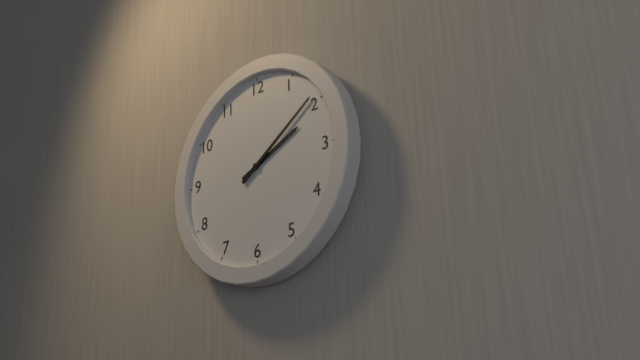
**2:09**
